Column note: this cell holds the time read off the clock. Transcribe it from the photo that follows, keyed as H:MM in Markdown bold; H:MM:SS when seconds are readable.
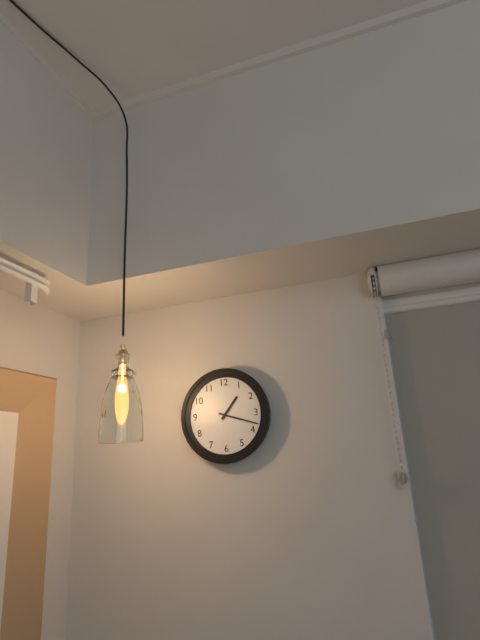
**1:18**
